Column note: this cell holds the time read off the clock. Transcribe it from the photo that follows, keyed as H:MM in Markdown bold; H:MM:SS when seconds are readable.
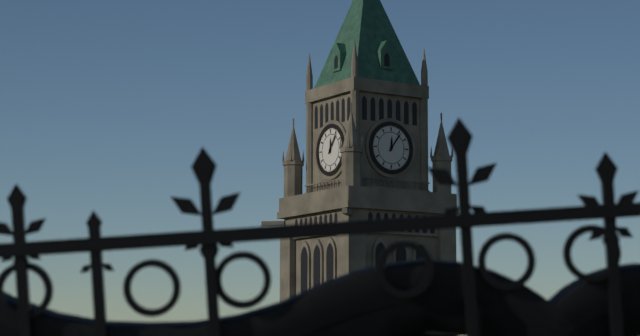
**12:06**
